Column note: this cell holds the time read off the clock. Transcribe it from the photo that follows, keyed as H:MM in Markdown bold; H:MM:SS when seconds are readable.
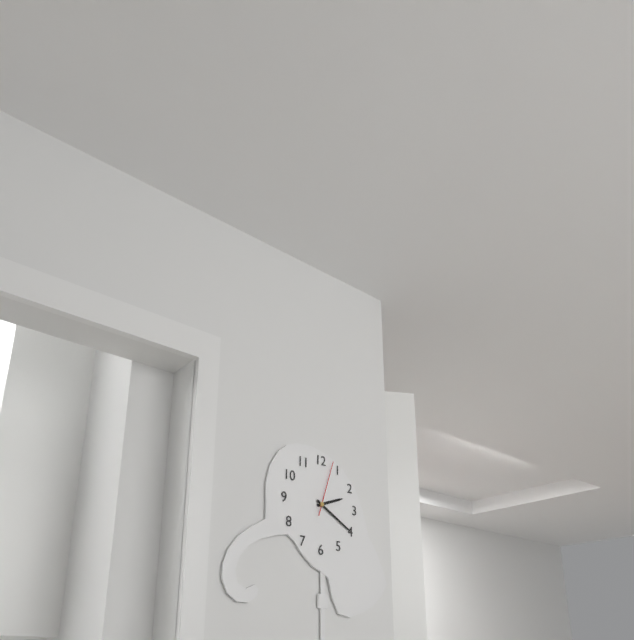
**2:20:03**
